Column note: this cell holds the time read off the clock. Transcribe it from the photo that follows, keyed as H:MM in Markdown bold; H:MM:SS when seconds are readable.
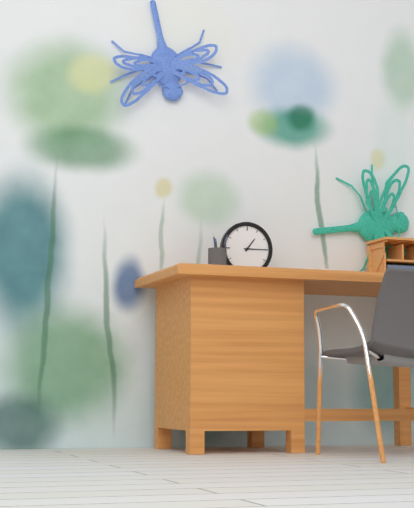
**1:15**
